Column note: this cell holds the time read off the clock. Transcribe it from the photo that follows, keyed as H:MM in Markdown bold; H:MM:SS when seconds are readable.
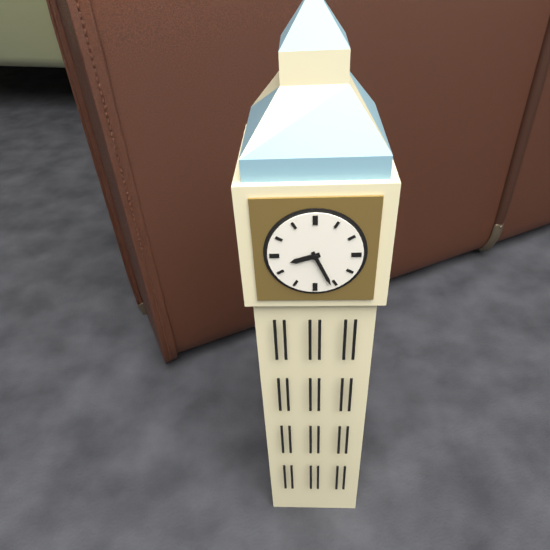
**8:26**
